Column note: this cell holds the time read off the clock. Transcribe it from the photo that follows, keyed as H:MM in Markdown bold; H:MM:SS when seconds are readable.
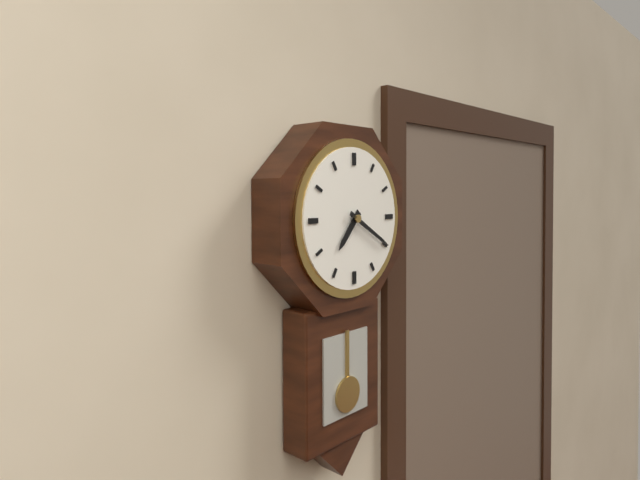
**7:20**
